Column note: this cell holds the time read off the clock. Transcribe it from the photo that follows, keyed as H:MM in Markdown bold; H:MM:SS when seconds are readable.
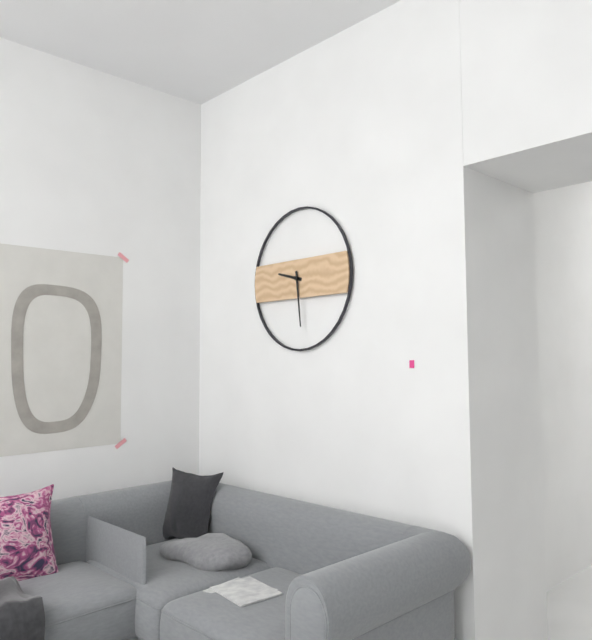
**9:29**
